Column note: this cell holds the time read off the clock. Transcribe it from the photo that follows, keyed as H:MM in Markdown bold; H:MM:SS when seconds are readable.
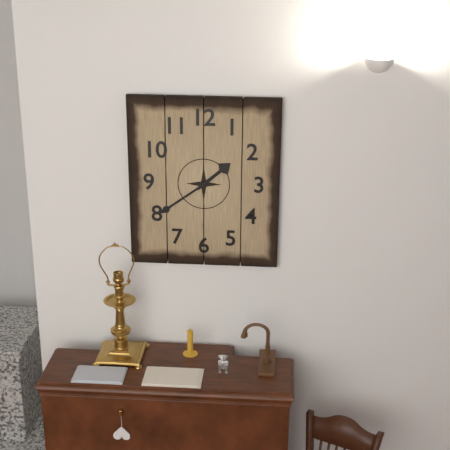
**1:39**
